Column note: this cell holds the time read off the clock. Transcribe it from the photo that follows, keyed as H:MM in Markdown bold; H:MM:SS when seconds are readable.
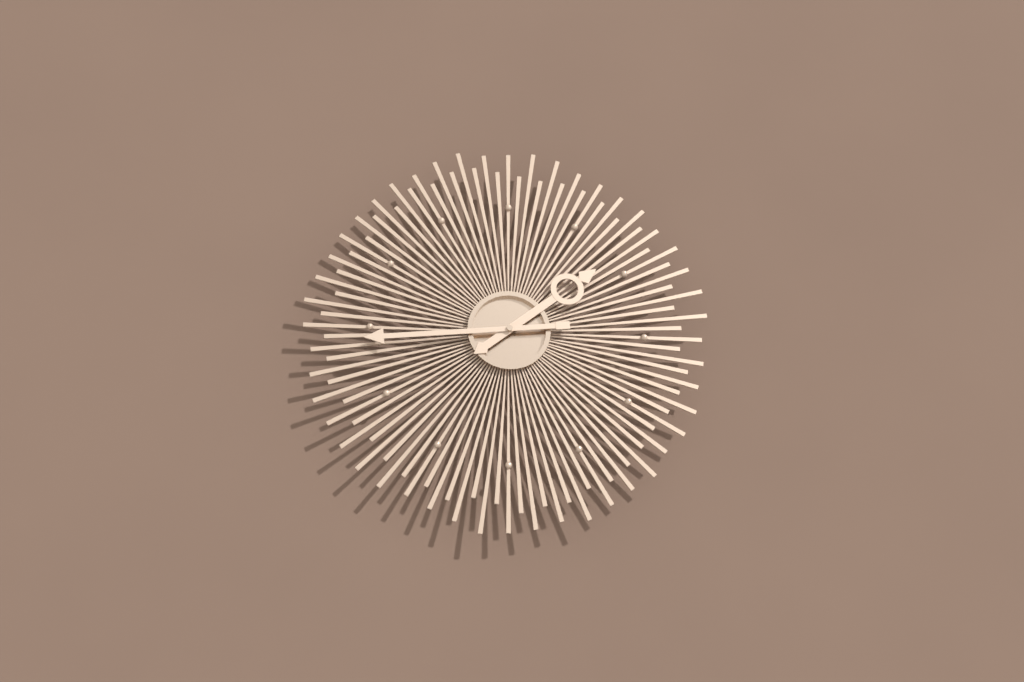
**1:44**
